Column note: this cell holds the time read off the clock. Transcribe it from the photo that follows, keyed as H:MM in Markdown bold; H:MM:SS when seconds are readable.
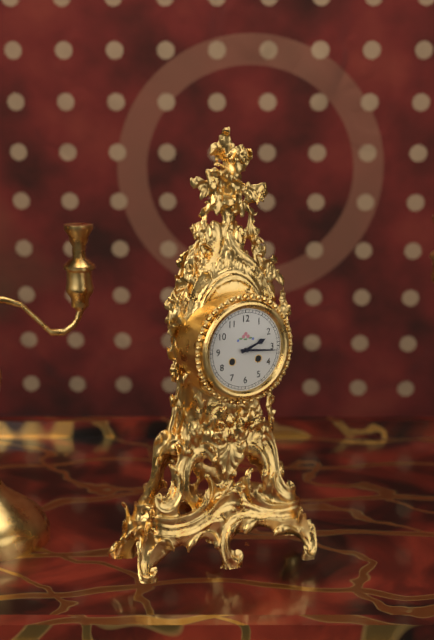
**2:16**
